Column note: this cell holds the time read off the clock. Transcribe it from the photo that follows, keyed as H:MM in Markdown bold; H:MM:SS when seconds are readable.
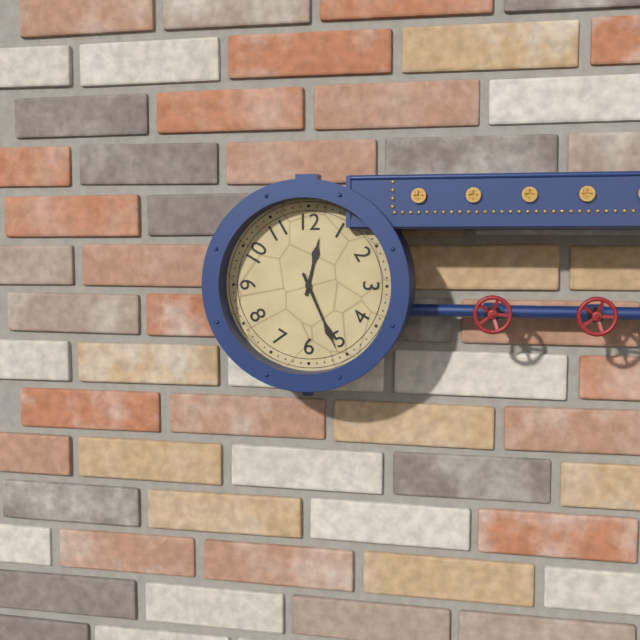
**12:26**
